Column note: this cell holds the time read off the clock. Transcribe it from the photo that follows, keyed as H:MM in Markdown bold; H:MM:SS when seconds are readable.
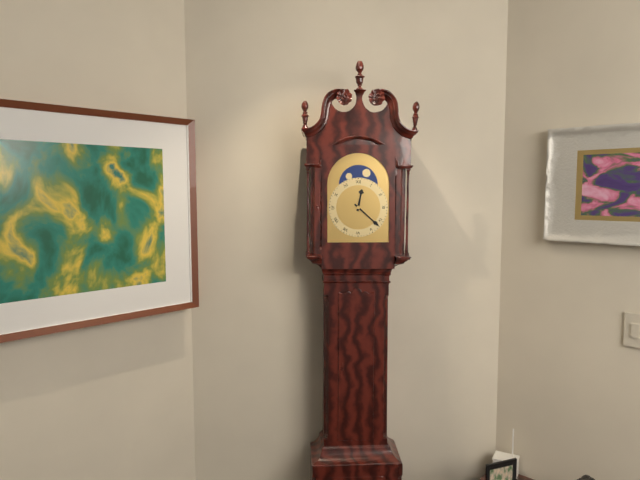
**12:22**
